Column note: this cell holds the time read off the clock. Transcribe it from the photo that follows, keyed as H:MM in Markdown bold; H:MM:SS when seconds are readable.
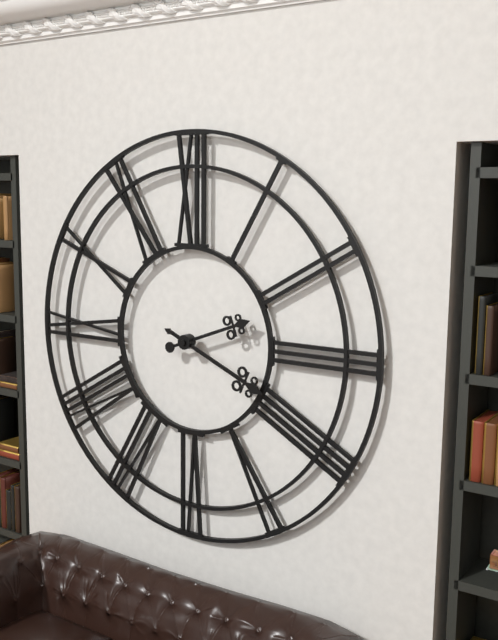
**2:19**
